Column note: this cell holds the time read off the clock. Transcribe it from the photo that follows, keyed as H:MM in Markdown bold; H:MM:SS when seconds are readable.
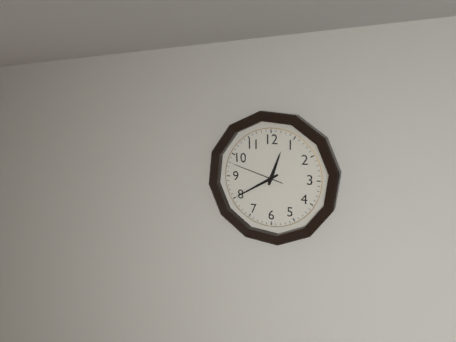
**12:40:48**
